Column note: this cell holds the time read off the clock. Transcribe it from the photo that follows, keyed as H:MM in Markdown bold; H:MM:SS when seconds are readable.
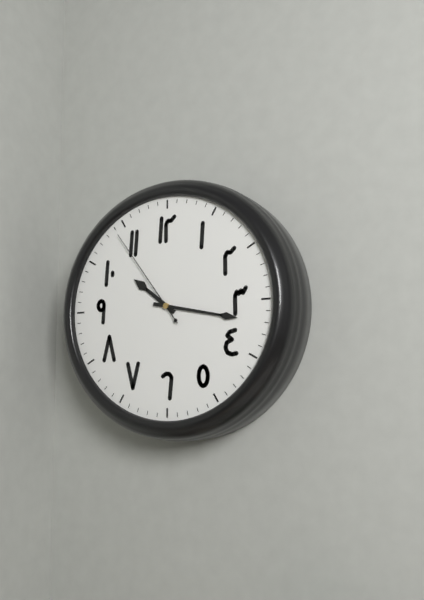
**10:17:54**
